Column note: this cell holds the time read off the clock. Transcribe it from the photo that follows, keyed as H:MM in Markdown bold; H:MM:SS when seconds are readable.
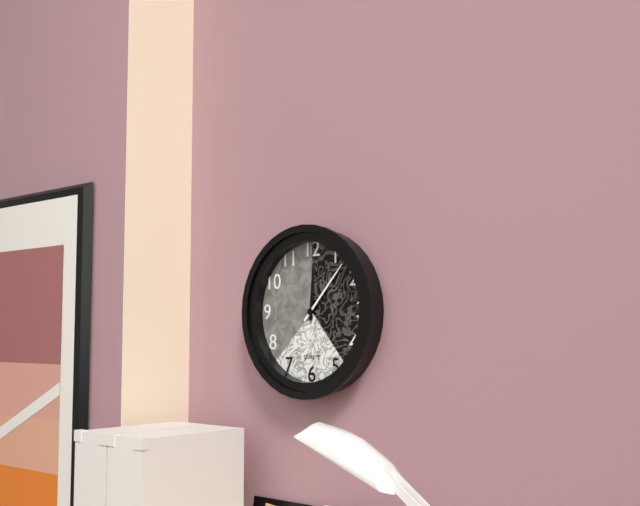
**12:07**
